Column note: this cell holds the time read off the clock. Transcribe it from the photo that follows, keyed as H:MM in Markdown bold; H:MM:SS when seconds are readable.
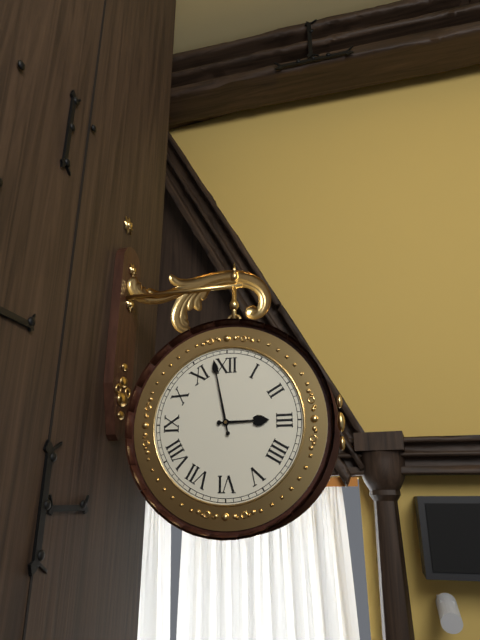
**2:58**
